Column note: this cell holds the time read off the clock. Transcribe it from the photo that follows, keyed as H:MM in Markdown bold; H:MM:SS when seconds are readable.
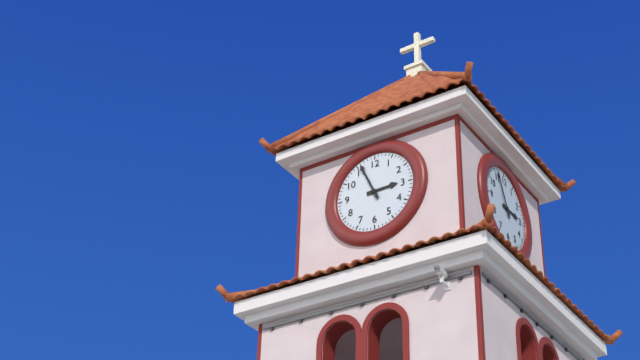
**2:56**
